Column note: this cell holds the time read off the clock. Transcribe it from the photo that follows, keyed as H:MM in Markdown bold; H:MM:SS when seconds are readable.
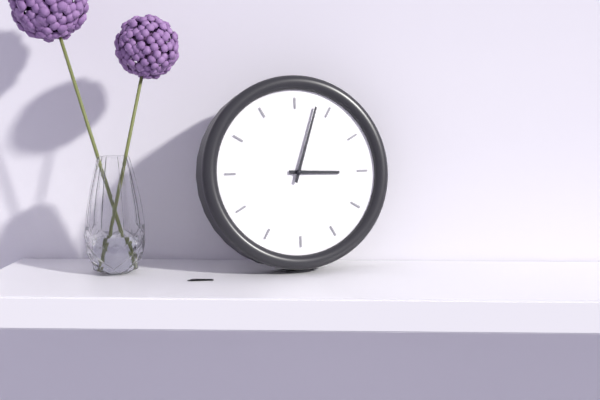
**3:03**
